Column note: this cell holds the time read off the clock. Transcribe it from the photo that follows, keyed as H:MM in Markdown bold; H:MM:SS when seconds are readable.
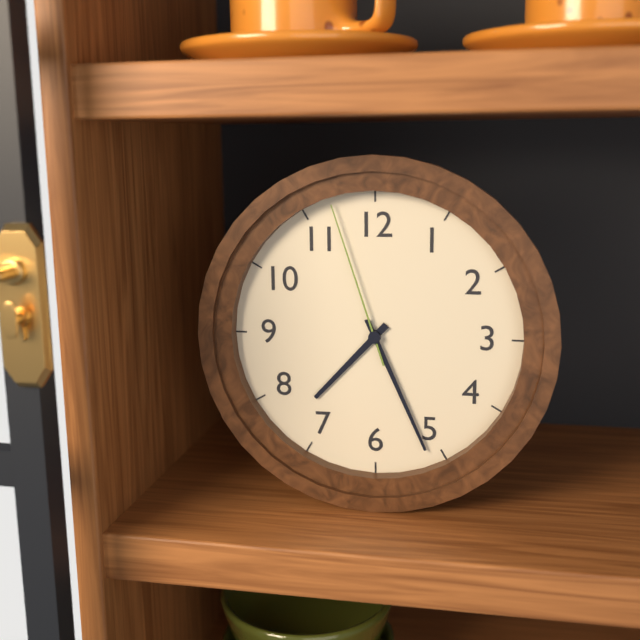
**7:26:57**
